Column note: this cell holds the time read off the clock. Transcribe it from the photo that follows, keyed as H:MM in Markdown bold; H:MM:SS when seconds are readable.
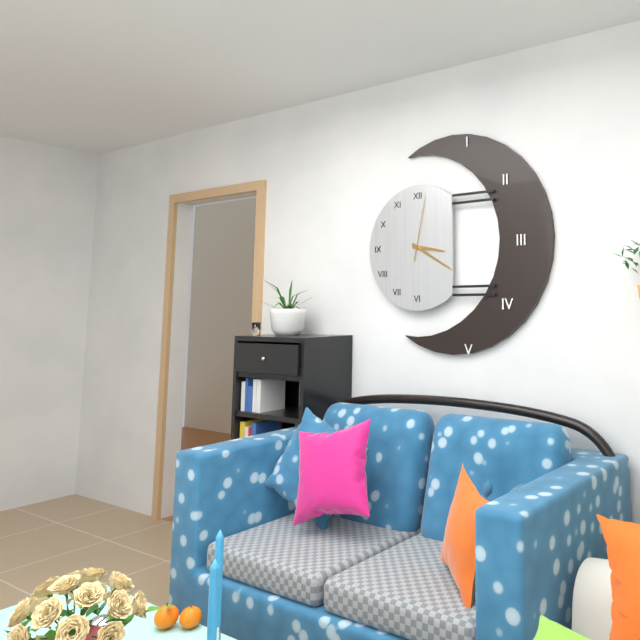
**3:20:02**
